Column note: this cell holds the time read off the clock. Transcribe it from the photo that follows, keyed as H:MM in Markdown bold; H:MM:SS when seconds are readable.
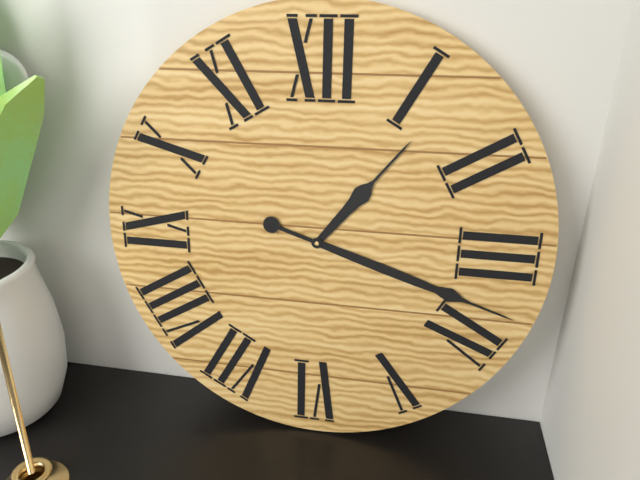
**1:18**
